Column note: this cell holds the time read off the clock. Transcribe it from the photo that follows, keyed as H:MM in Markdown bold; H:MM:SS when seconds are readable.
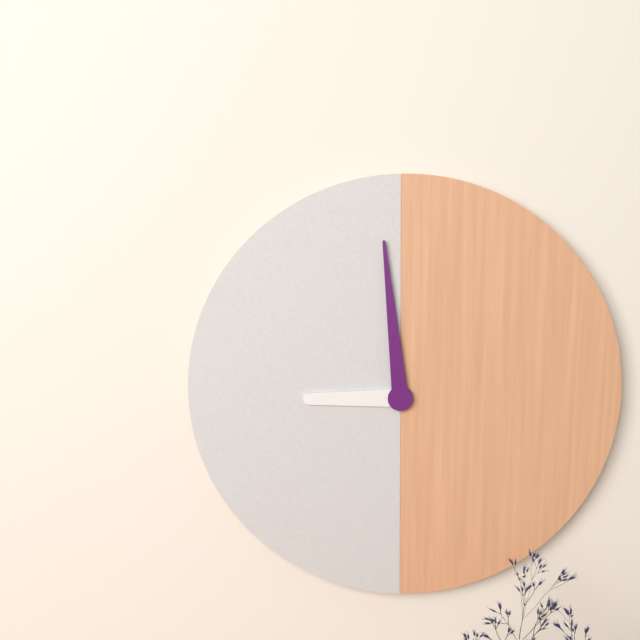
**8:59**
